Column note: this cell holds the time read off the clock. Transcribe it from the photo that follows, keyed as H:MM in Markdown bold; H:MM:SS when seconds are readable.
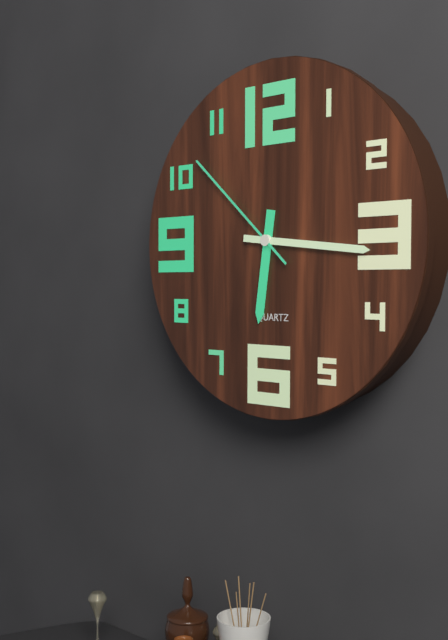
**6:16:52**
